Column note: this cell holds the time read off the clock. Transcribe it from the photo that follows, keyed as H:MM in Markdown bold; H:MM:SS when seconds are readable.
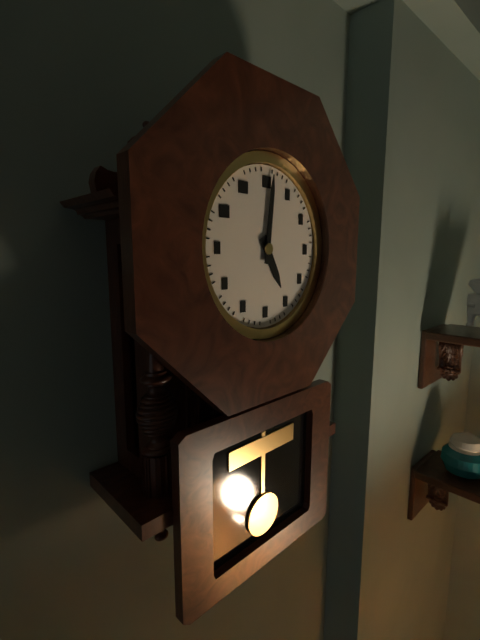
**5:01**
